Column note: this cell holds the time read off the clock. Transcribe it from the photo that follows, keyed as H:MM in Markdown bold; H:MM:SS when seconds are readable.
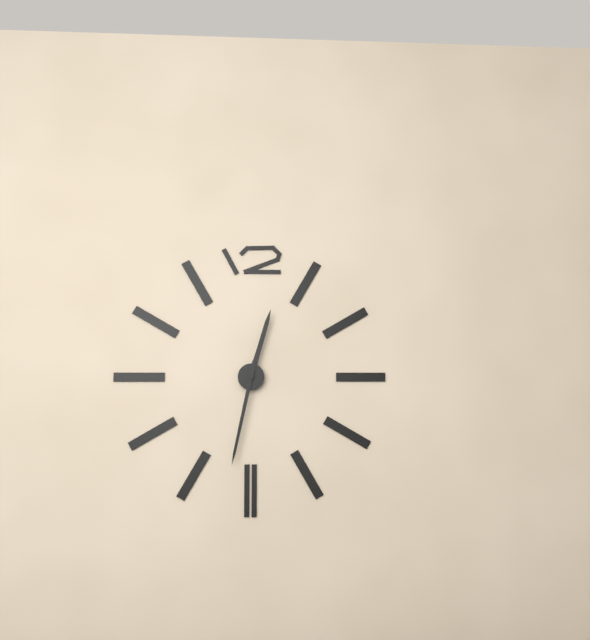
**12:32**
